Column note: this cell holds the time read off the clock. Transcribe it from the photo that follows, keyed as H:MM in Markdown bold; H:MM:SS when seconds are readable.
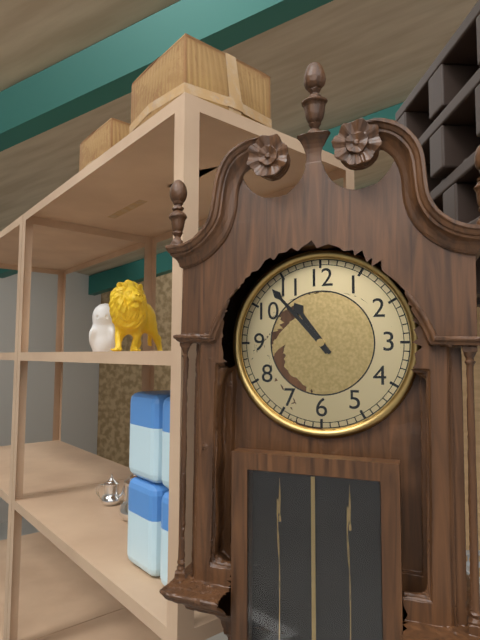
**10:53**
